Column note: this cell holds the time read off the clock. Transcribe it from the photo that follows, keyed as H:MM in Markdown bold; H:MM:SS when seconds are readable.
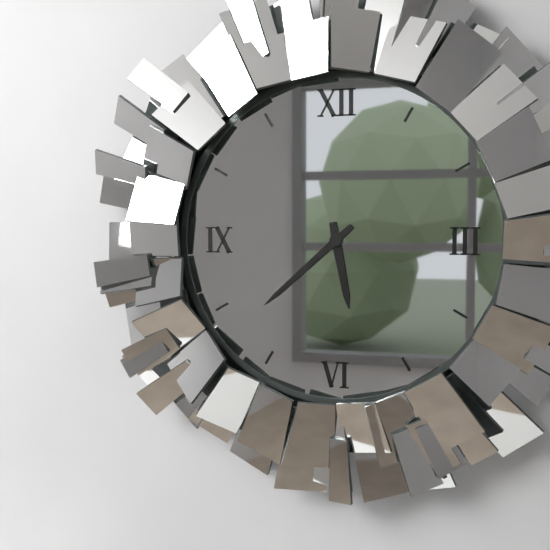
**5:38**
